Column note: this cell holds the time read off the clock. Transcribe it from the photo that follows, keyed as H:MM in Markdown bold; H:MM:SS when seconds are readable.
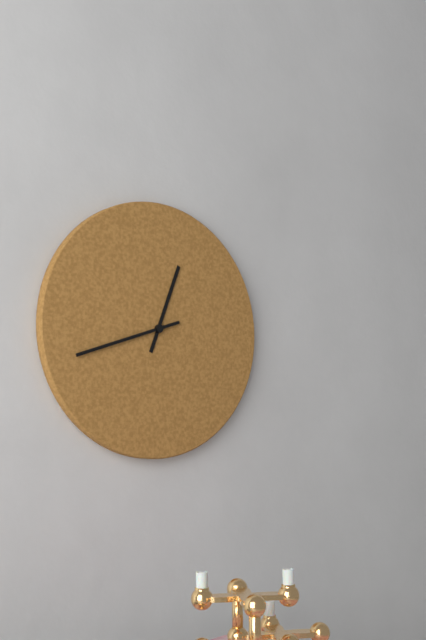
**12:42**
